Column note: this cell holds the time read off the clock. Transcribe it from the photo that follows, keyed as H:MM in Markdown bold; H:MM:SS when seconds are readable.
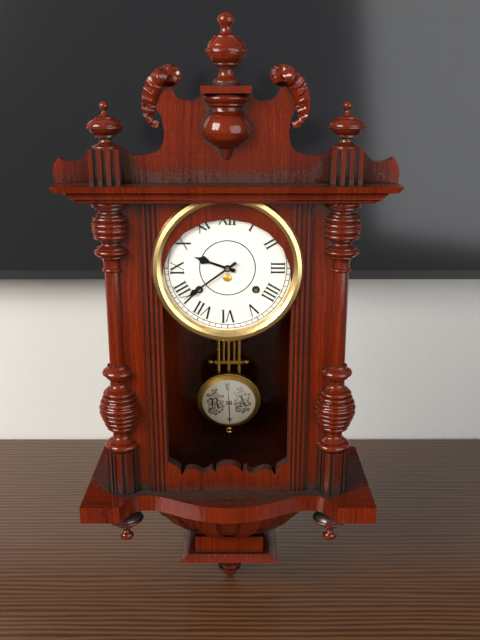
**9:39**
